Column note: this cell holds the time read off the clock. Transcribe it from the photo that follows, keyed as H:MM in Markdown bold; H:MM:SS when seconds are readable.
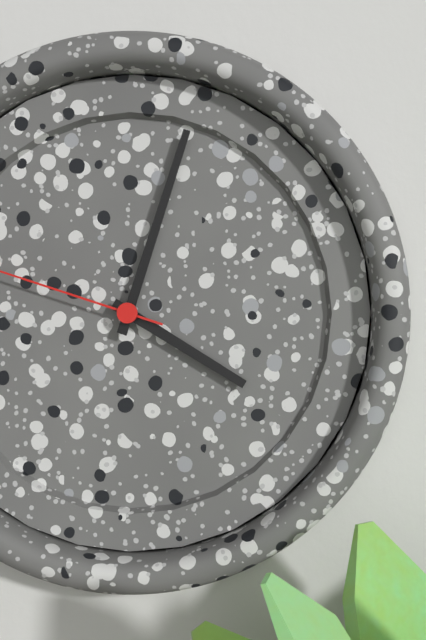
**4:03**
